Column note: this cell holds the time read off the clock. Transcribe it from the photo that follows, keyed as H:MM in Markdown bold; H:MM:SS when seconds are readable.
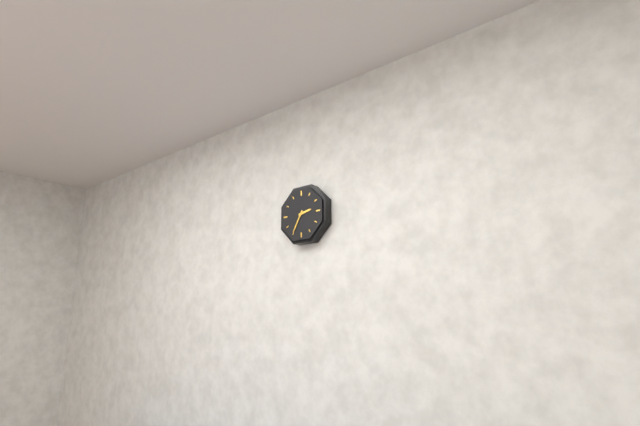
**2:35**
